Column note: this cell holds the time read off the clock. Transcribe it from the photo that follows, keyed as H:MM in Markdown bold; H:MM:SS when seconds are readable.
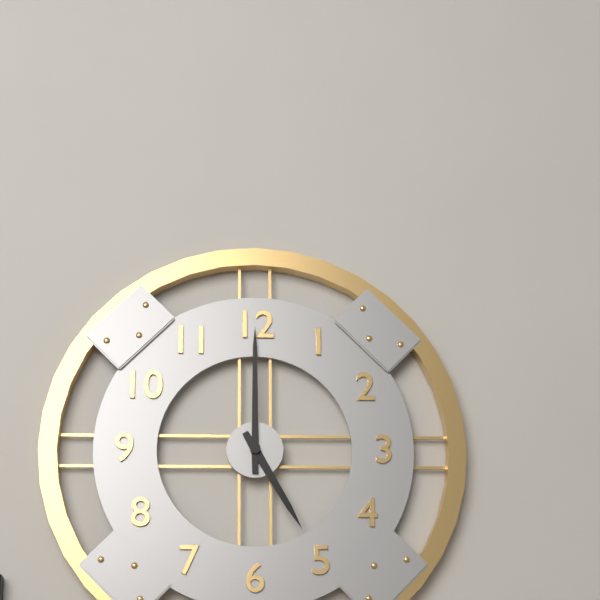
**5:00**
